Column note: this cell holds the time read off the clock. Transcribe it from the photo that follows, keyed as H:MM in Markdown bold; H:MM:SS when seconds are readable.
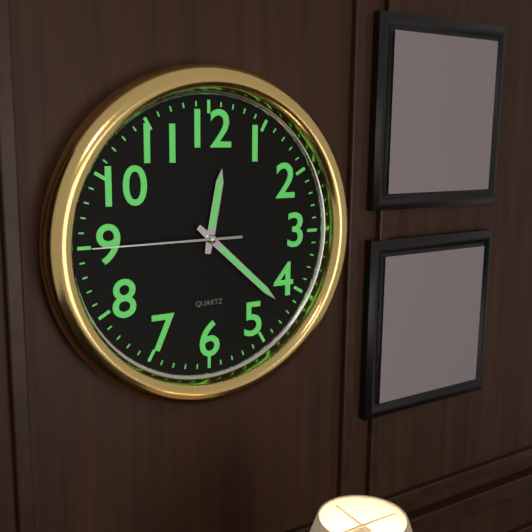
**12:22:45**
